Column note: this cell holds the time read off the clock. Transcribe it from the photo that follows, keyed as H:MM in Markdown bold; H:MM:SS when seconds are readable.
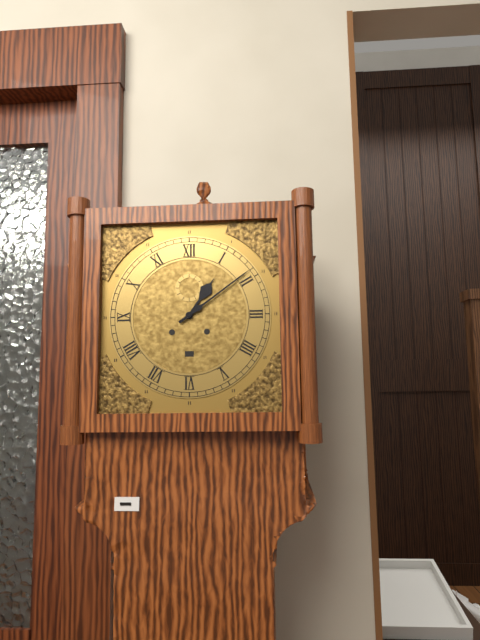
**1:09**
